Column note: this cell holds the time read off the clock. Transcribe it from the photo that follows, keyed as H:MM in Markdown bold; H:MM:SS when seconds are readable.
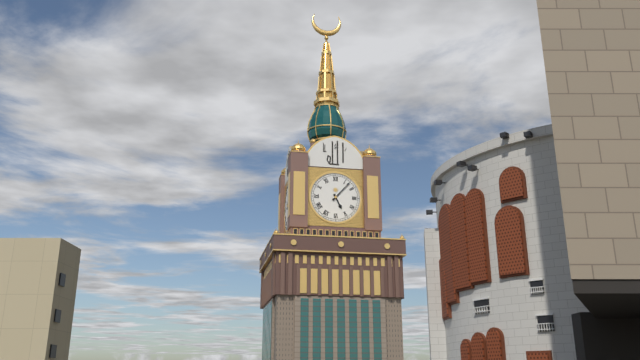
**5:07**
